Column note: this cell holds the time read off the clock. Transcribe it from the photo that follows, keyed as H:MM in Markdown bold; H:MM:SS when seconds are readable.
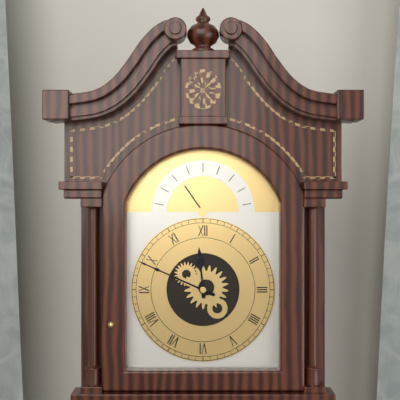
**11:49**
